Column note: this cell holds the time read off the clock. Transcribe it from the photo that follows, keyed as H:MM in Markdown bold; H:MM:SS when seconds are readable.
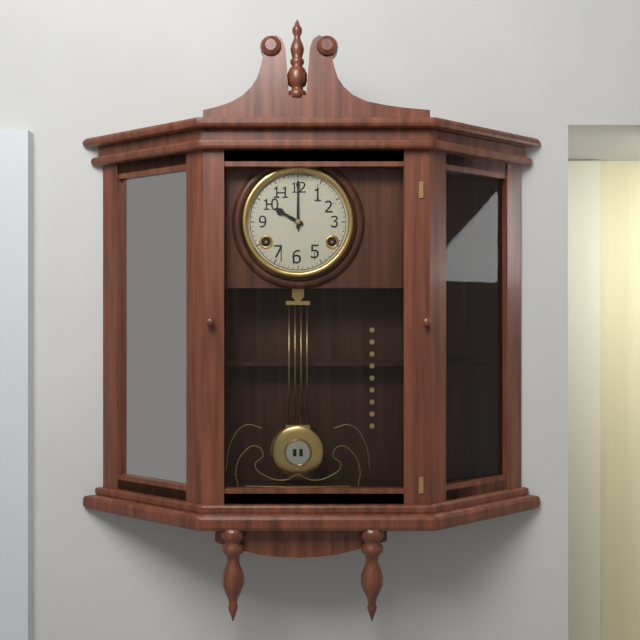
**10:00**
